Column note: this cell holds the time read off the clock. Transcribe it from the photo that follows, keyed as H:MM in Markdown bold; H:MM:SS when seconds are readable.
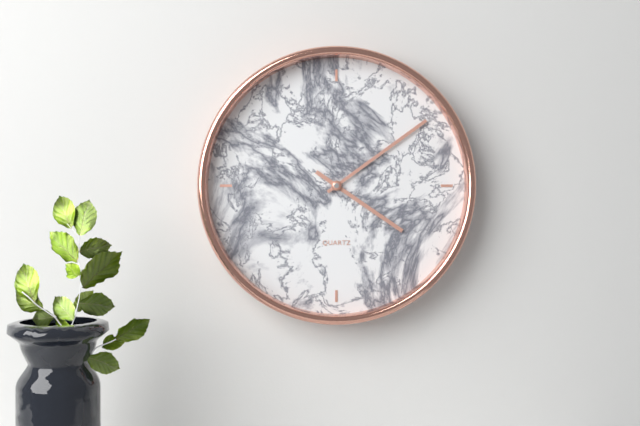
**4:09**
